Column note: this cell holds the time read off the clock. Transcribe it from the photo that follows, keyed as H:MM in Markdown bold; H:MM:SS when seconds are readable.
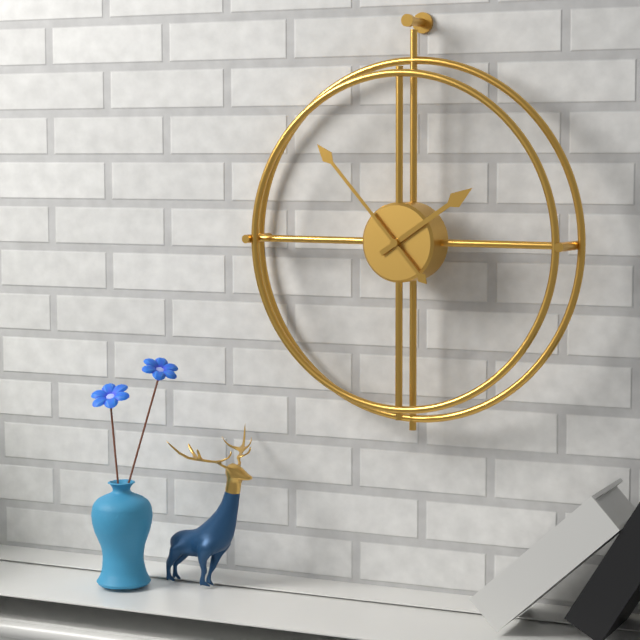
**1:53**
